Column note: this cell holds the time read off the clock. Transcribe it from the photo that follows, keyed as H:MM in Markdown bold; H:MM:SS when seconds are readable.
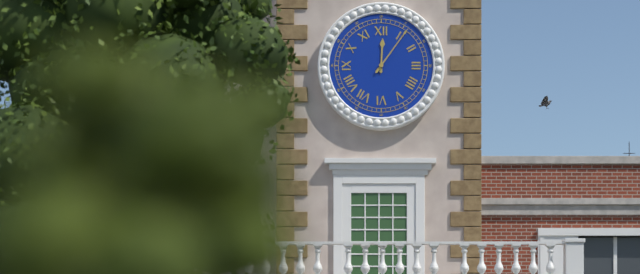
**12:06**
